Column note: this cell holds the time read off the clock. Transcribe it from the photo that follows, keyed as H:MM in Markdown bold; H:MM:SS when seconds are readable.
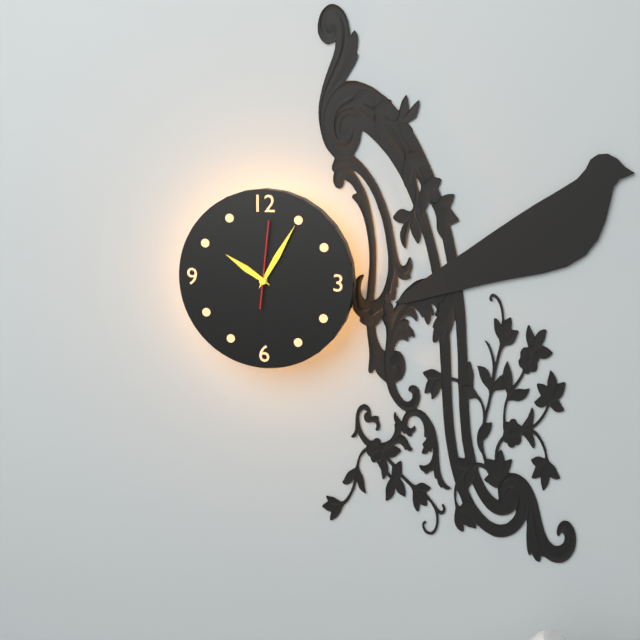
**10:05:01**
